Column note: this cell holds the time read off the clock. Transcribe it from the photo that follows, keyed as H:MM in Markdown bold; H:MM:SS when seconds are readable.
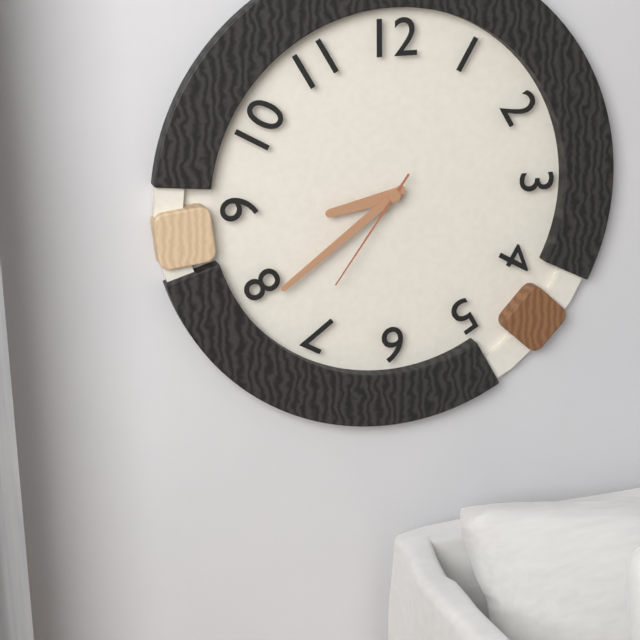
**8:39:36**
